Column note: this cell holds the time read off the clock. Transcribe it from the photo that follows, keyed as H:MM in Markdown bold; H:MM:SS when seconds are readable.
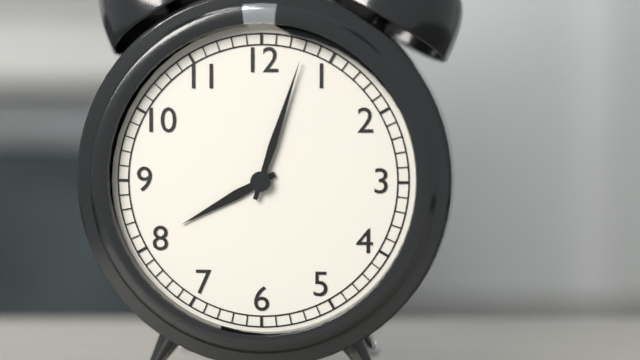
**8:03**
